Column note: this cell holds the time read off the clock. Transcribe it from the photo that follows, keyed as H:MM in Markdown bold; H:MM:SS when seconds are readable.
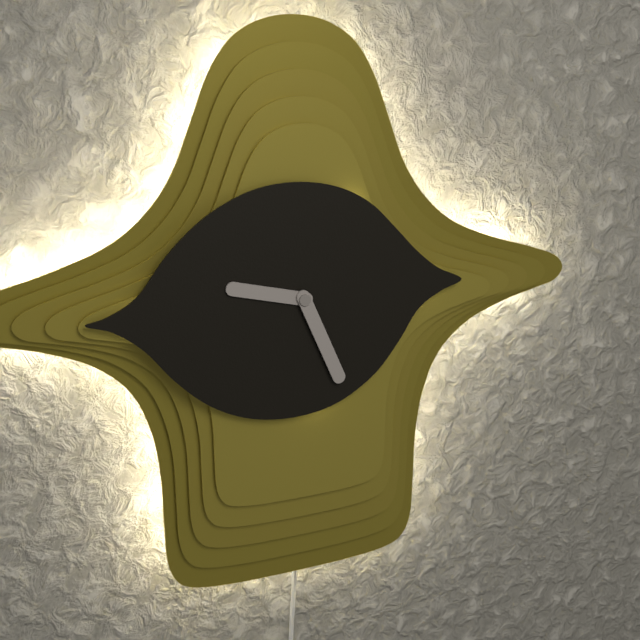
**9:26**
